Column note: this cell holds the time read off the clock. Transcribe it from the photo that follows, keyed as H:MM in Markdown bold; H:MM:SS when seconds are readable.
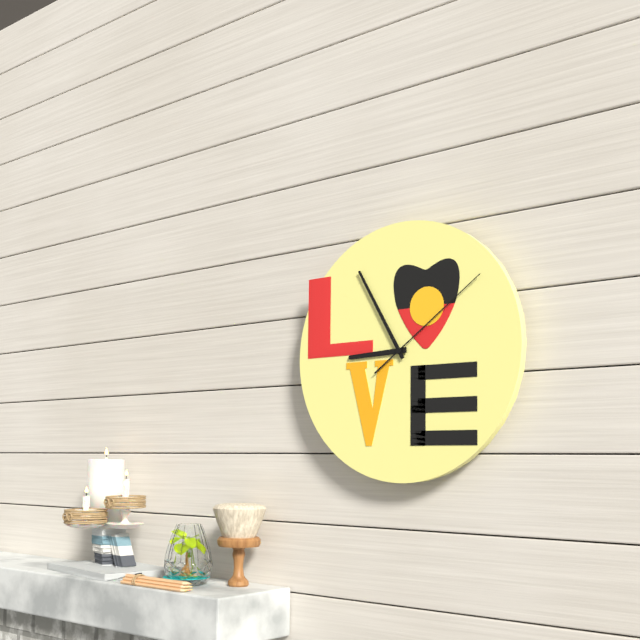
**8:55:09**
